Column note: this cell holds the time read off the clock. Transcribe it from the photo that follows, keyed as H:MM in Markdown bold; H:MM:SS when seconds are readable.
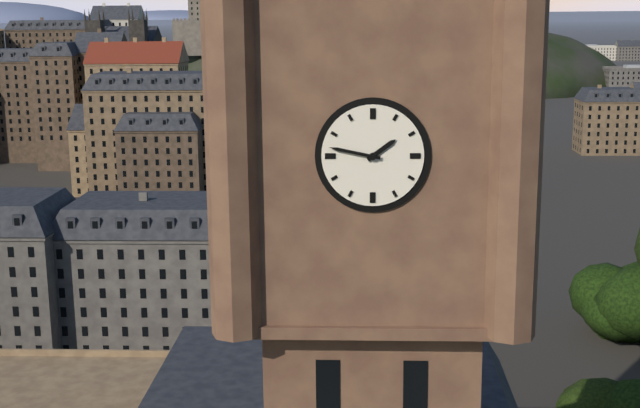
**1:47**
